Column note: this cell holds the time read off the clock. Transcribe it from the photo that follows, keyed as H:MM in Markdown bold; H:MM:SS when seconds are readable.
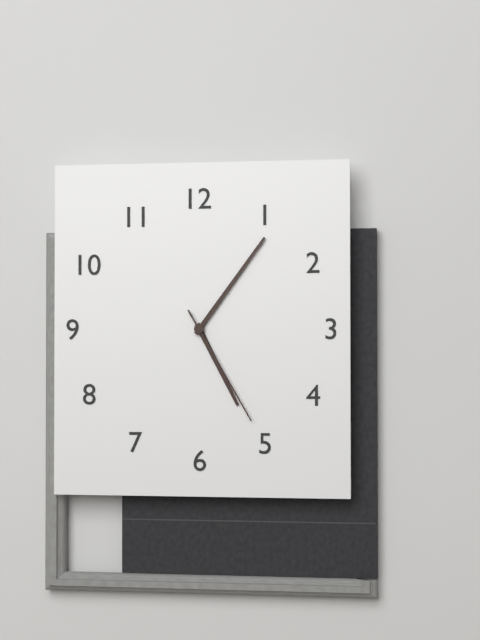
**5:06:25**
